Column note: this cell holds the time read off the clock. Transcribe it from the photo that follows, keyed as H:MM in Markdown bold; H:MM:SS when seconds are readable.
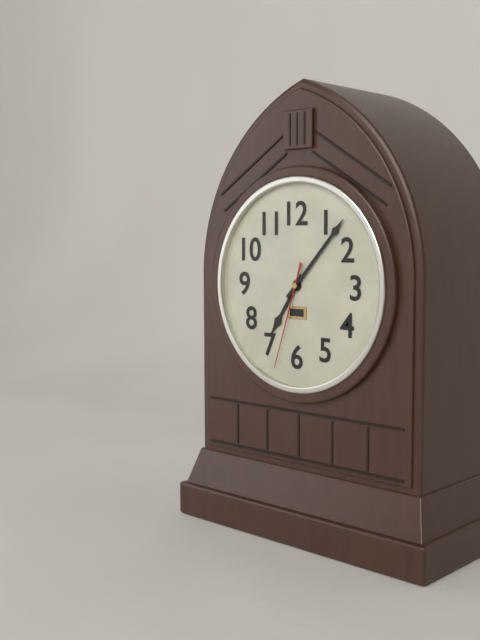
**7:07:33**
